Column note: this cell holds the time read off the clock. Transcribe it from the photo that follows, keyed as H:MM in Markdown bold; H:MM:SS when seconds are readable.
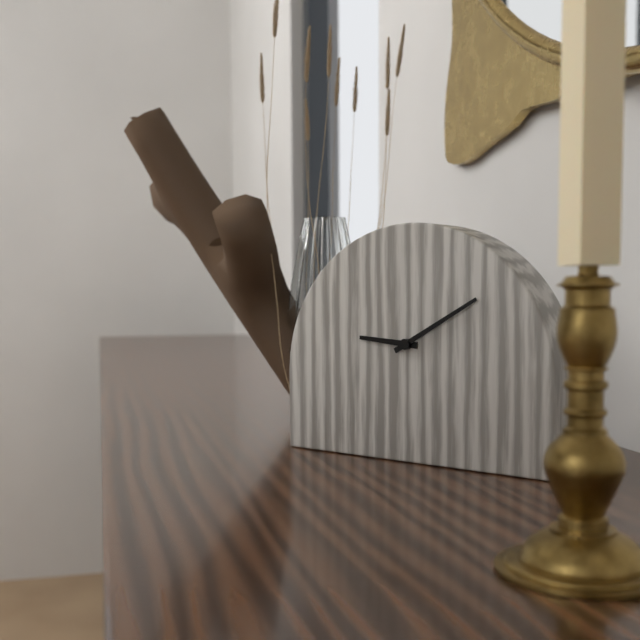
**9:10**
